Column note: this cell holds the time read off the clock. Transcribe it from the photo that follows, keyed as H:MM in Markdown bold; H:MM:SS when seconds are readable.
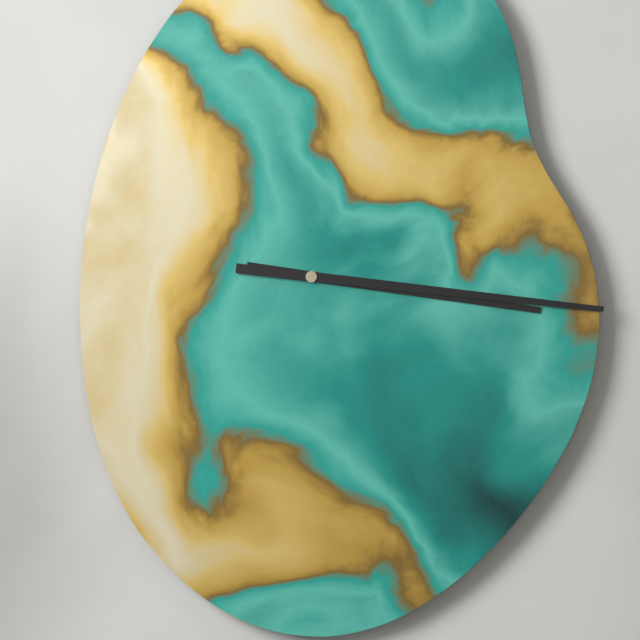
**3:16**
